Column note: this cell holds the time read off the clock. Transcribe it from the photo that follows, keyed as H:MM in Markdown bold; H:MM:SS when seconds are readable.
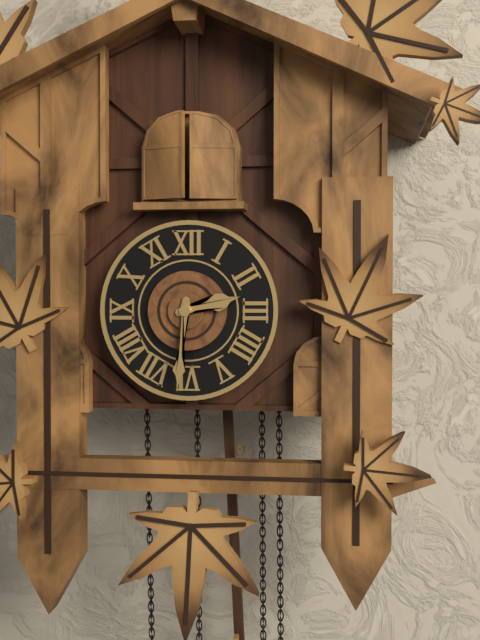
**2:31**
